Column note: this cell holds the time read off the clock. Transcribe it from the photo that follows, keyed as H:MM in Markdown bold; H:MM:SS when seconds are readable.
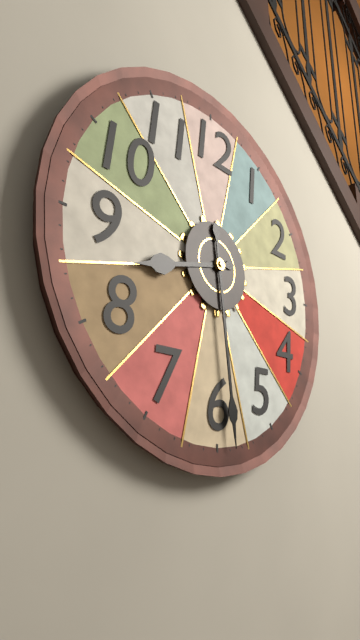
**8:29**
